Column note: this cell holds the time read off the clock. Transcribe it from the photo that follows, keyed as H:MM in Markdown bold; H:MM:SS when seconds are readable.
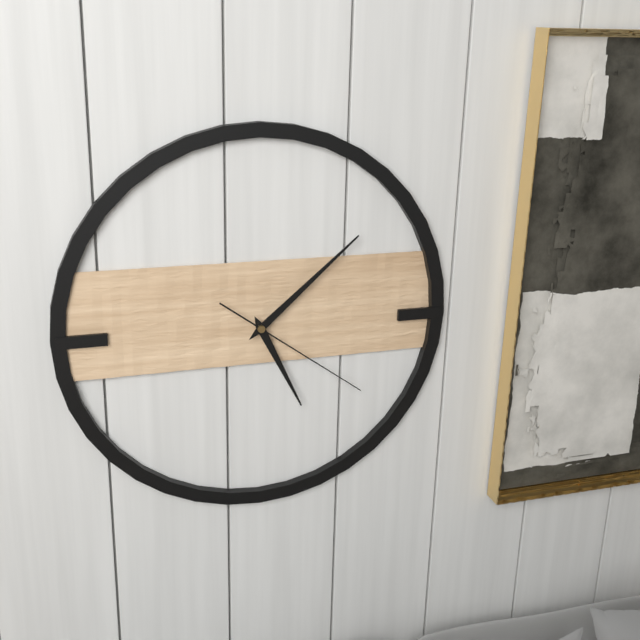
**5:08:21**
